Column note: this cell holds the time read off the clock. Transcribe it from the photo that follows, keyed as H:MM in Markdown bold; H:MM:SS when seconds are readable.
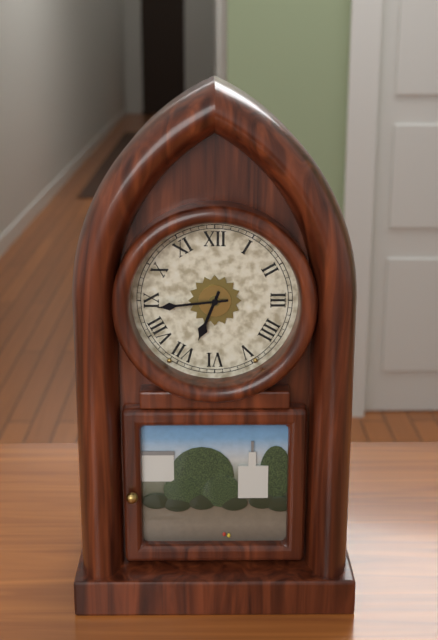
**6:44**
